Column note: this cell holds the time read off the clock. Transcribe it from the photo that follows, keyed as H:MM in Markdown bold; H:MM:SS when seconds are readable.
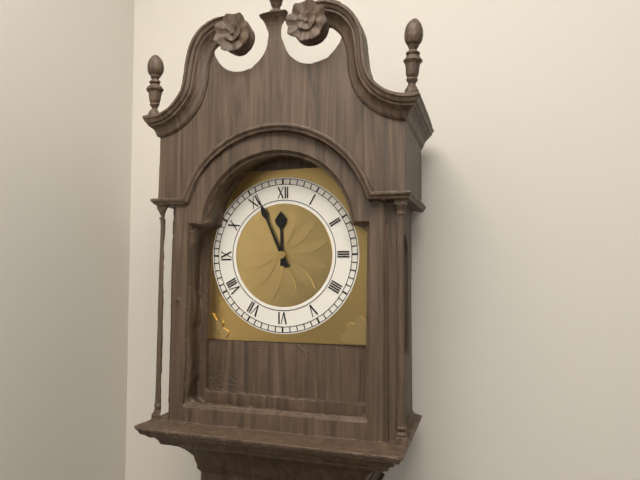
**11:56**
